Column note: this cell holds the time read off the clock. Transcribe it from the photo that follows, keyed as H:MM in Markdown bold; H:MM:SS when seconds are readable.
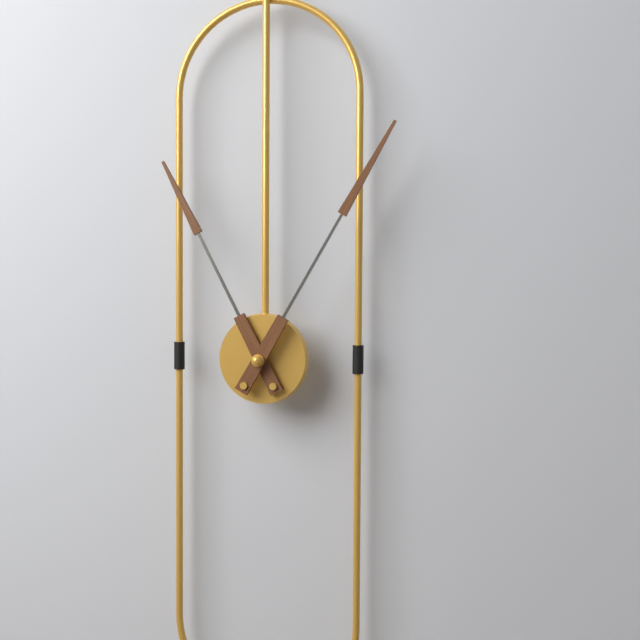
**11:05**
